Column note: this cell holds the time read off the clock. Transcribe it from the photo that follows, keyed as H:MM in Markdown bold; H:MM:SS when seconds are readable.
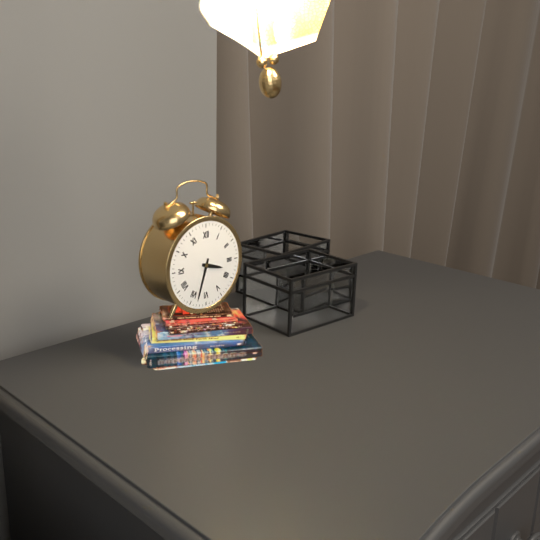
**3:33**
